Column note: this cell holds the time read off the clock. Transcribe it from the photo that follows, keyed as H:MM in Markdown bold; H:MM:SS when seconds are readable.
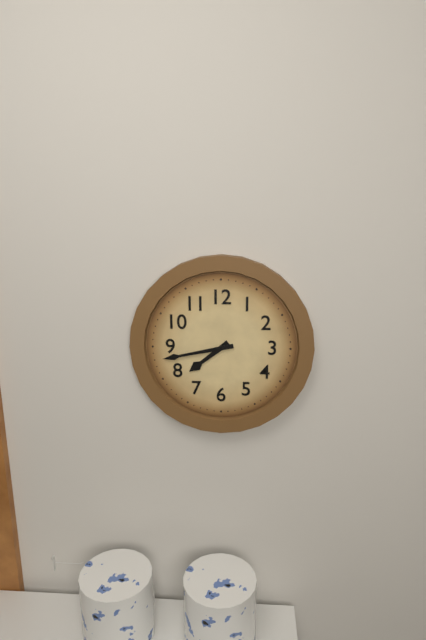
**7:43**
